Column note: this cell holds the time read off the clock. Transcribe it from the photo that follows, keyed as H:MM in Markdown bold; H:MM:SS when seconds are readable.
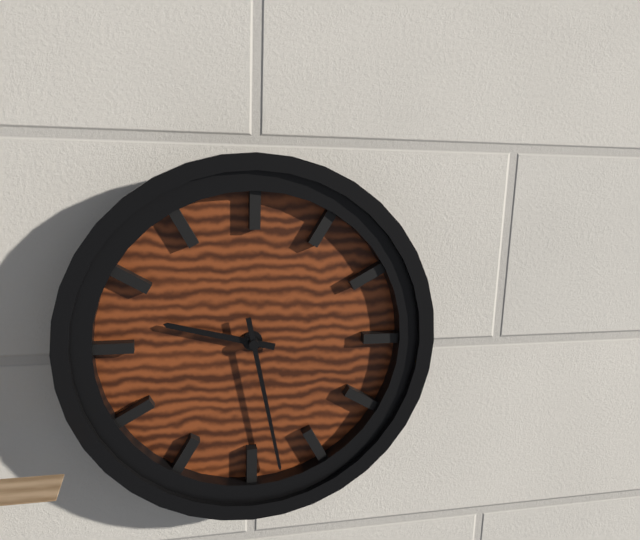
**9:28**
